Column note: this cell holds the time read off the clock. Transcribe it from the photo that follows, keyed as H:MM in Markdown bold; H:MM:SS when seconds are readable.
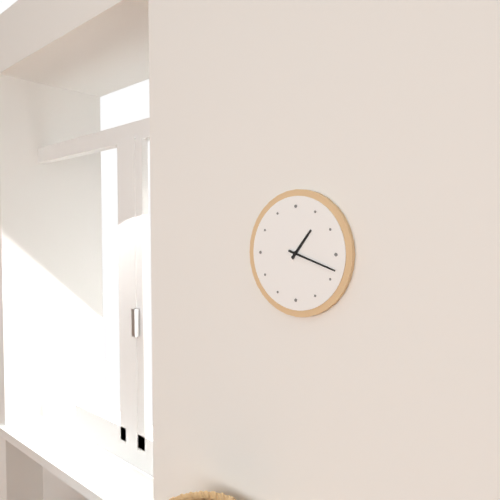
**1:18**
